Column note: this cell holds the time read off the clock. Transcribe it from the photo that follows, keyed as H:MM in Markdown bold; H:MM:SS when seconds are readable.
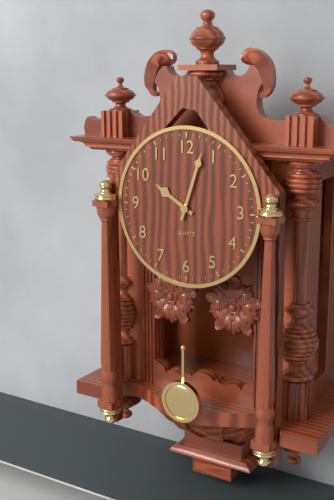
**10:03**
